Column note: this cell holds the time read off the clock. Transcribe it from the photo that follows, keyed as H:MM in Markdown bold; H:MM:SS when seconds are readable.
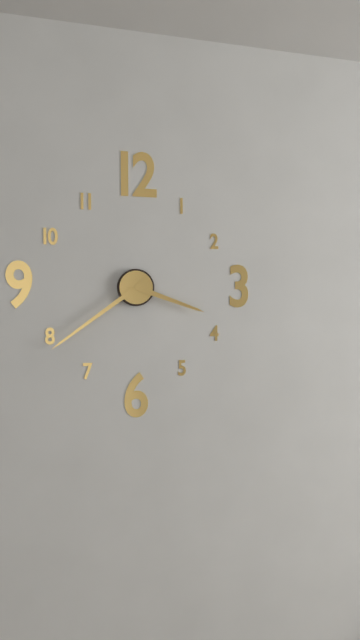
**3:39**
